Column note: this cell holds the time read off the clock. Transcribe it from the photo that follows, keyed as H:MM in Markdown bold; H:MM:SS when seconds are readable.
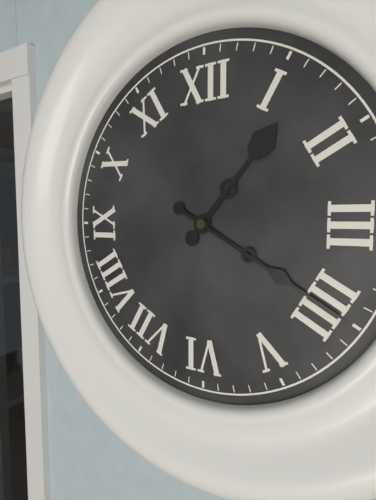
**1:20**
